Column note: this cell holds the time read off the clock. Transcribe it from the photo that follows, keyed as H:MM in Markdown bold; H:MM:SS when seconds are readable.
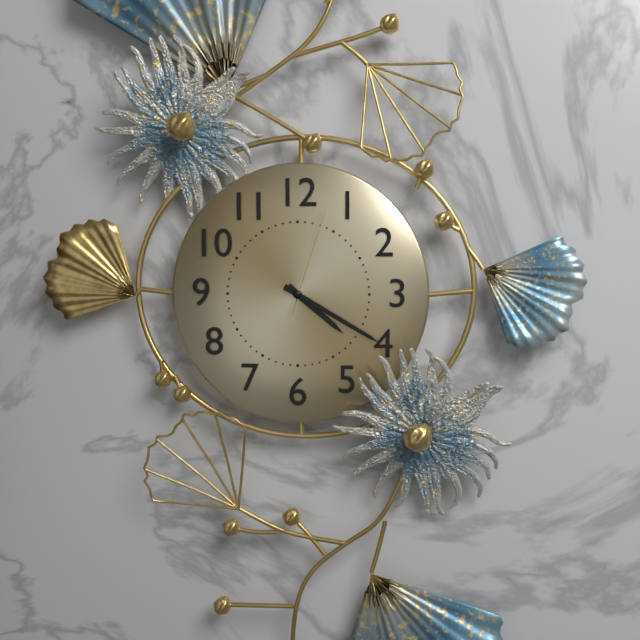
**4:20:03**
